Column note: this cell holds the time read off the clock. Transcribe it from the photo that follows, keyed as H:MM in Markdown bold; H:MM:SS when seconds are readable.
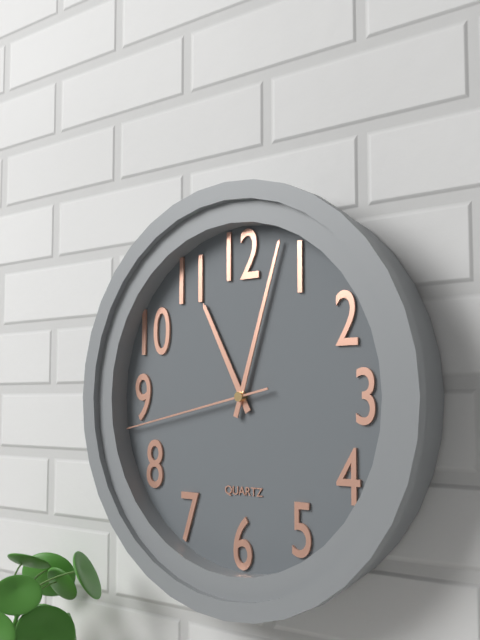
**11:03:43**
